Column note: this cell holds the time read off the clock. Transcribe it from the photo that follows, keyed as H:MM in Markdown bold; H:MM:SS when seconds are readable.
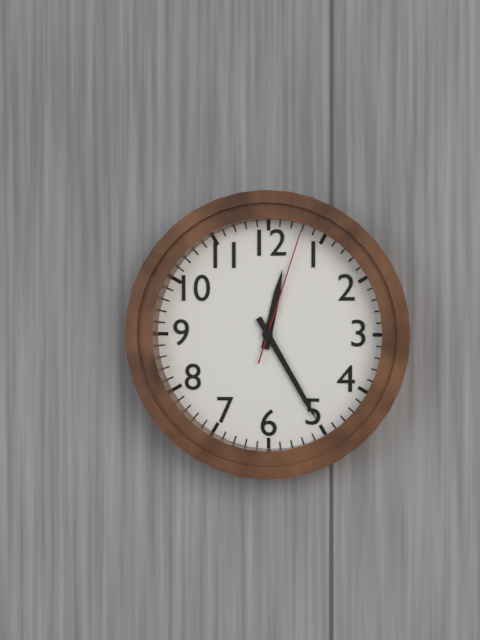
**12:25:03**
